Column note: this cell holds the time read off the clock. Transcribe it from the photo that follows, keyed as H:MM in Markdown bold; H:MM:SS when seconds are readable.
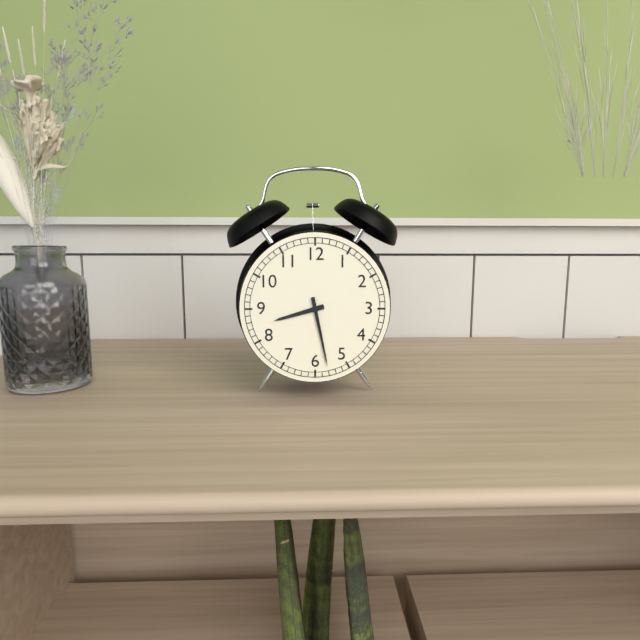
**8:28**
